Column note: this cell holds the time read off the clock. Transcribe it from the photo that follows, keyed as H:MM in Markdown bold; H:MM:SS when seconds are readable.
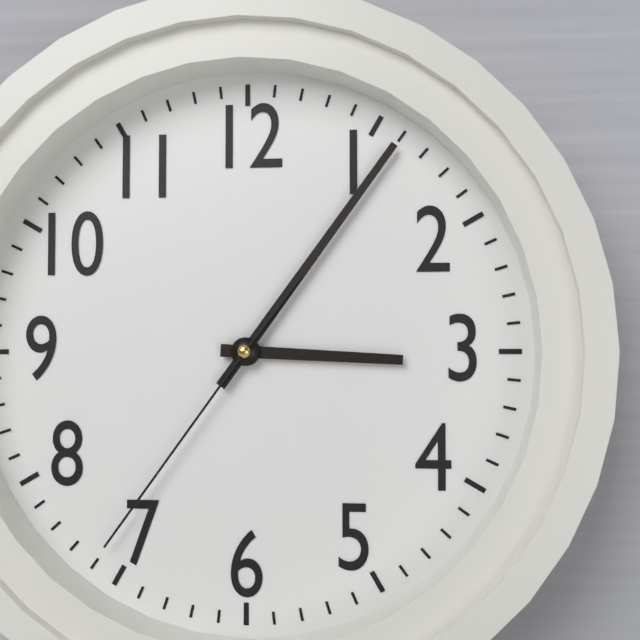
**3:06:36**
